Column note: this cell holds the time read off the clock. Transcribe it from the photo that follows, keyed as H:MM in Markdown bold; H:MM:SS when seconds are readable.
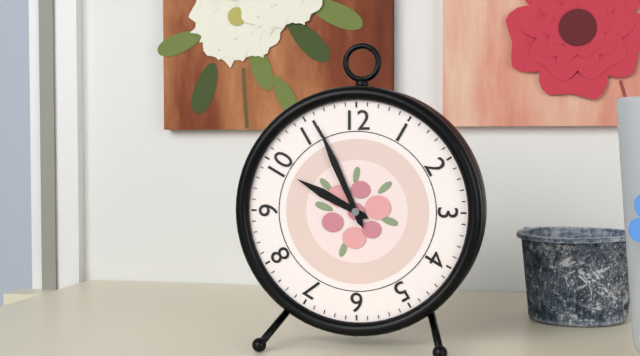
**9:56**
